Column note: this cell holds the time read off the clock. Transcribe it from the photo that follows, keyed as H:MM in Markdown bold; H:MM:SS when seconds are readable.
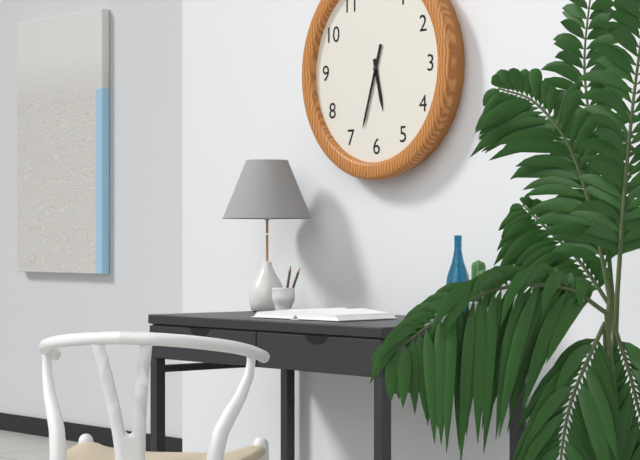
**5:33**
